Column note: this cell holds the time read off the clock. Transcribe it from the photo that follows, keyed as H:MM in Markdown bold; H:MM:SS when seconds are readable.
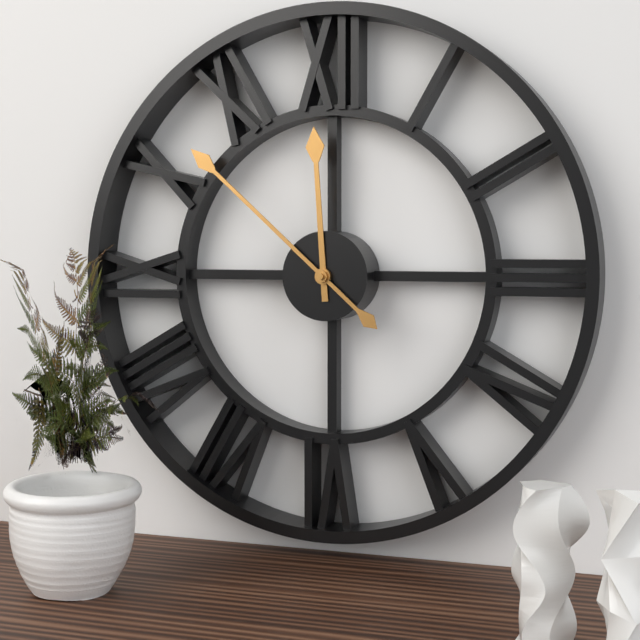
**11:52**
